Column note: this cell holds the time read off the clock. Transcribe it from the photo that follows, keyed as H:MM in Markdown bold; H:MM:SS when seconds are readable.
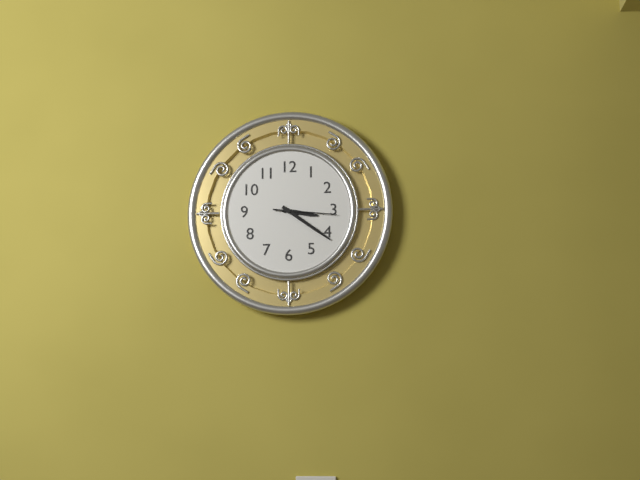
**3:21:16**
